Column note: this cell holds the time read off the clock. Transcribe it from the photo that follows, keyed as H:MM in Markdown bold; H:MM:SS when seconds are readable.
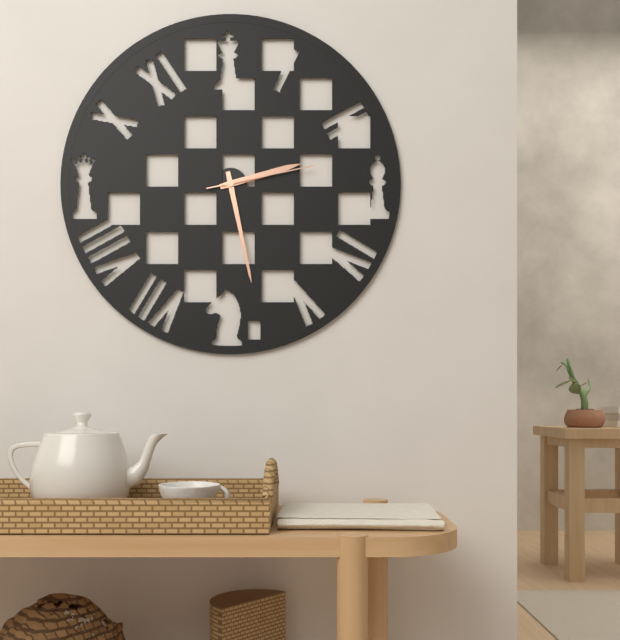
**2:28:13**
